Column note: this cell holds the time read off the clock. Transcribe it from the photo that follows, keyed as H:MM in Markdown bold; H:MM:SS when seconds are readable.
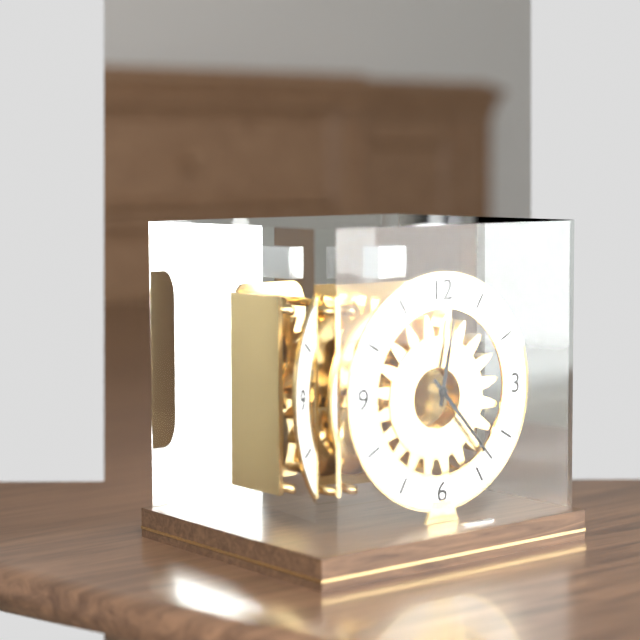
**12:23**
